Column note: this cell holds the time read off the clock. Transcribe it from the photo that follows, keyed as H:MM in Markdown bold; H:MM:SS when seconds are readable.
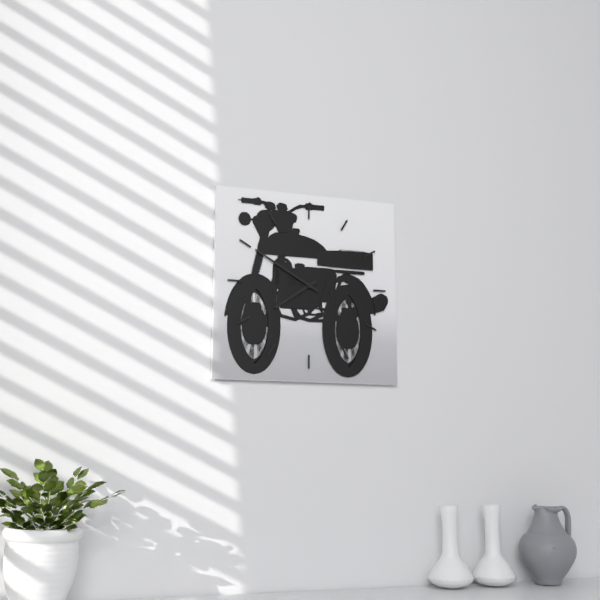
**7:50**
